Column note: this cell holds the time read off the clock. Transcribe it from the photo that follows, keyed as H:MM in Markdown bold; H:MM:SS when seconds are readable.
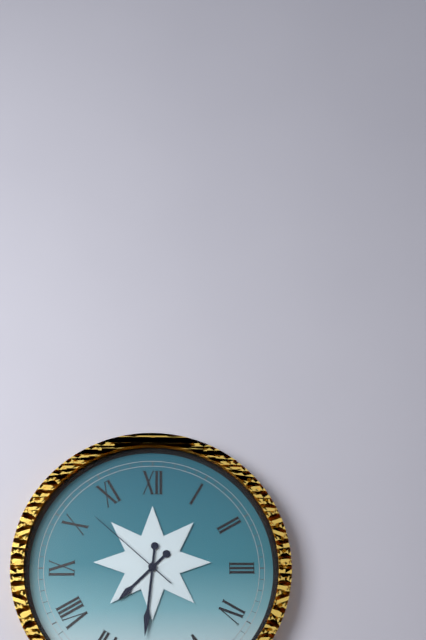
**7:31:52**
